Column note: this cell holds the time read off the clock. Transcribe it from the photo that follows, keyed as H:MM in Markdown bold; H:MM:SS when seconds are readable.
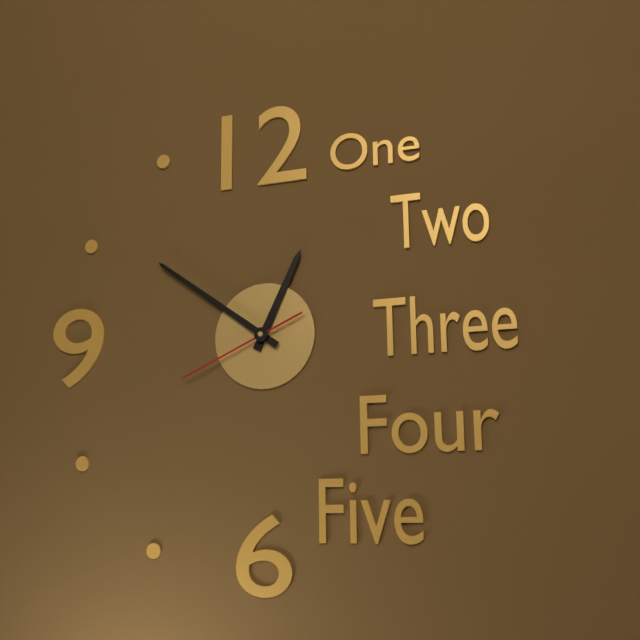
**12:51:41**
